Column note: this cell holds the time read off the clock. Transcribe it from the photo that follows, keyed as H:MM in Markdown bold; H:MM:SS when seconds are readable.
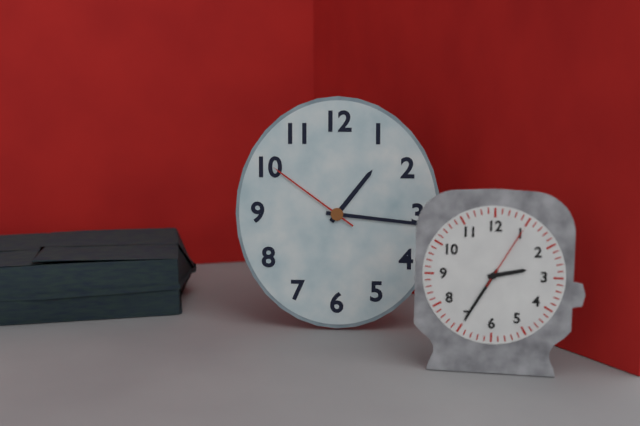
**1:16:51**
